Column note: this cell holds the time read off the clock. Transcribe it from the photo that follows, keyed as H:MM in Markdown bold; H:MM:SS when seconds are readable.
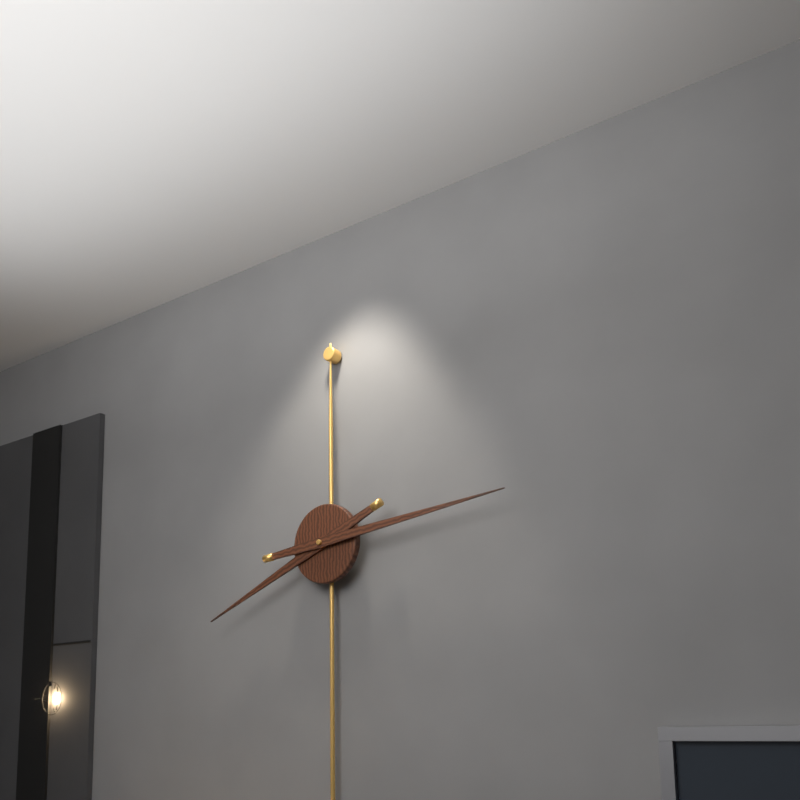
**8:14**
